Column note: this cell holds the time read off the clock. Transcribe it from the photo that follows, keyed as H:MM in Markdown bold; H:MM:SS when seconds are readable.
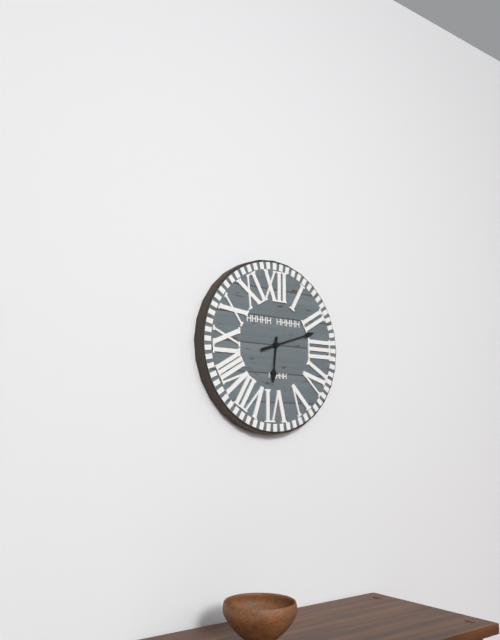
**6:12**
